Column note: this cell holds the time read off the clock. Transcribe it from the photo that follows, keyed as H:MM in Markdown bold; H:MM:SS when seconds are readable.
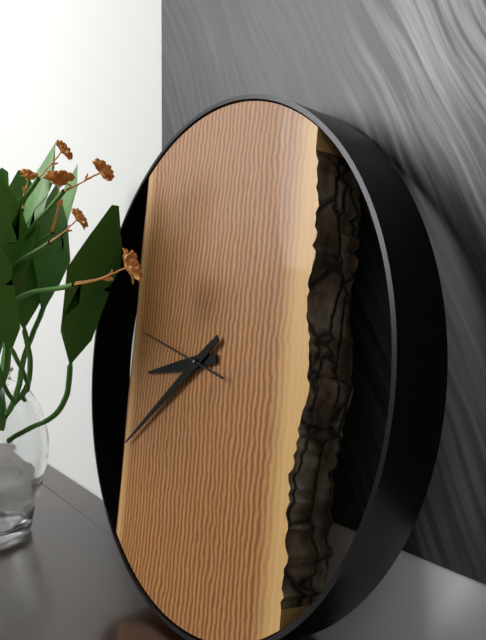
**8:39:47**
